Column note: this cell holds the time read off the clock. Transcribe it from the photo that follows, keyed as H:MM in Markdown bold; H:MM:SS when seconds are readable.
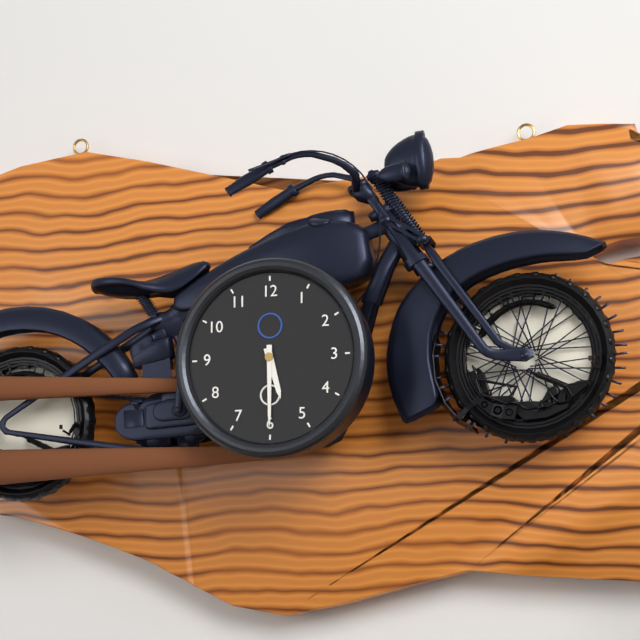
**5:30**
